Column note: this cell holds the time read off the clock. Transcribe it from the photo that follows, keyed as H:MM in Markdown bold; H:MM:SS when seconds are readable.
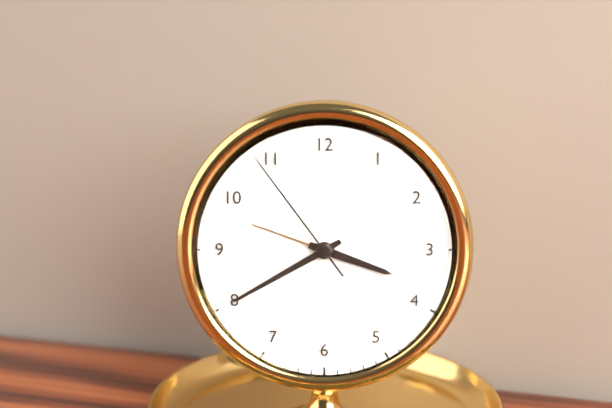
**3:40:54**
